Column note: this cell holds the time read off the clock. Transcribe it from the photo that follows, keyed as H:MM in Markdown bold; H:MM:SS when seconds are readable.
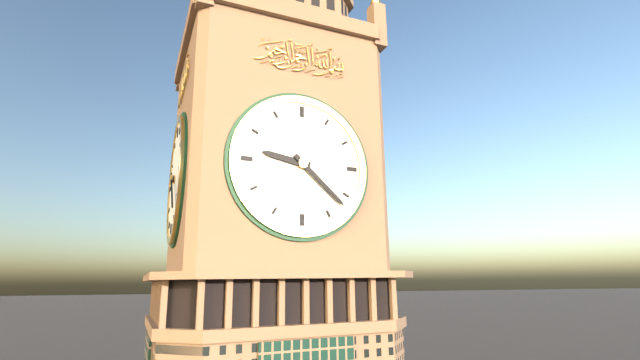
**9:22**
